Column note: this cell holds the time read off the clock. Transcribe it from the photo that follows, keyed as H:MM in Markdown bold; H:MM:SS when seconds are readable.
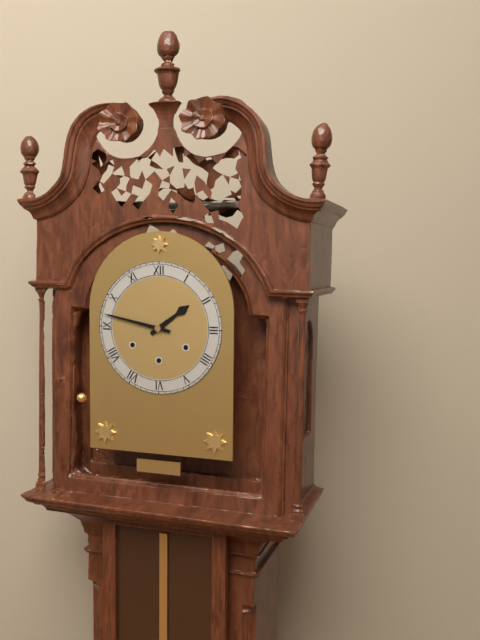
**1:47**
